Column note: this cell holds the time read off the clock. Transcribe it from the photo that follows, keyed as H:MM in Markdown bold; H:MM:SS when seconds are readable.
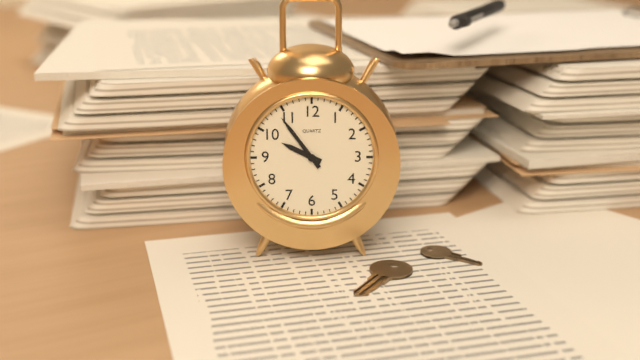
**9:54**
